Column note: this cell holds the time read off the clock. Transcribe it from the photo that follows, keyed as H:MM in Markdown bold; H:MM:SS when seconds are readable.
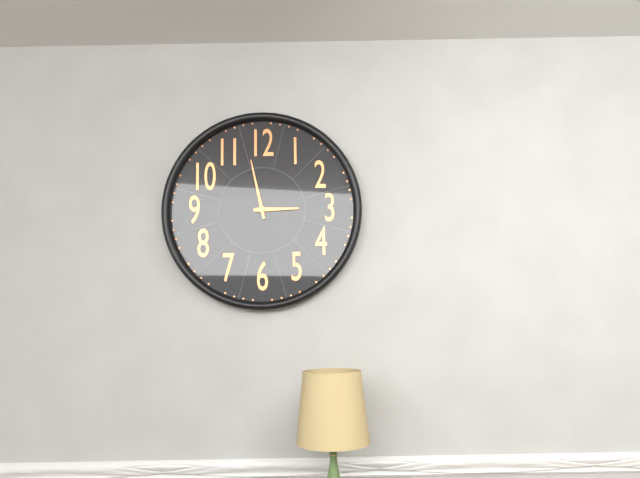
**2:58**
